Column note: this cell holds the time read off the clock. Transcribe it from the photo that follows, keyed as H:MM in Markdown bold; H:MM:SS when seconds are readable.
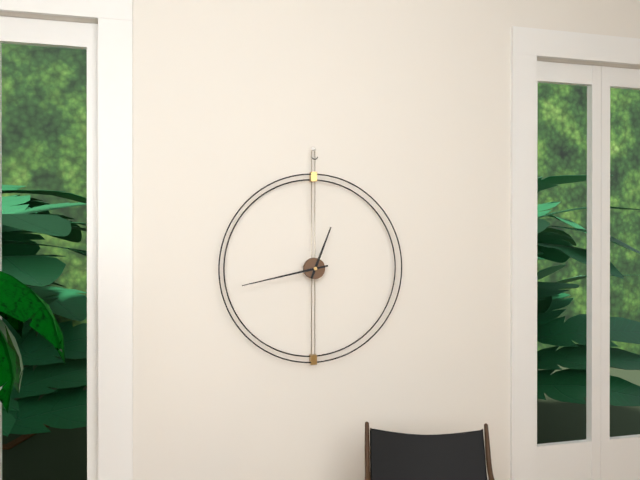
**12:43**
